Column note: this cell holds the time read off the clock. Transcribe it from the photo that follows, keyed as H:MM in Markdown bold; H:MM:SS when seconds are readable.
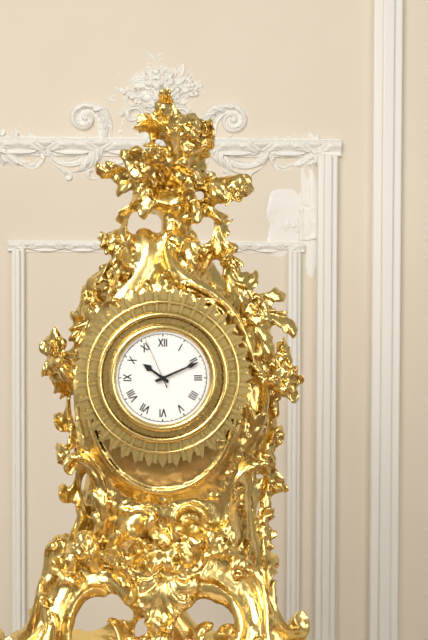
**10:11:56**
